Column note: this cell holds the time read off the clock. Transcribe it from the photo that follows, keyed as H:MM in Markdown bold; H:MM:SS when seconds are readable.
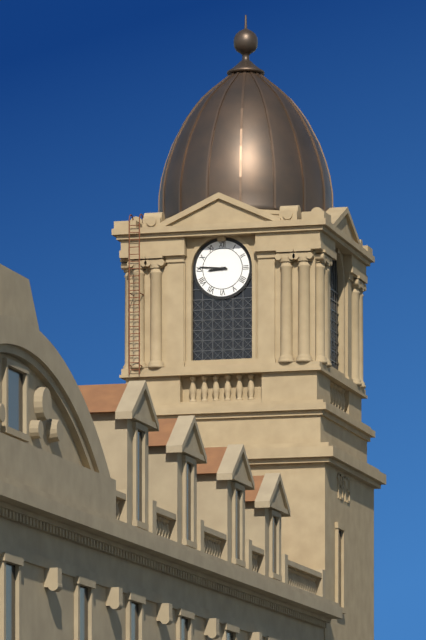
**8:46**
